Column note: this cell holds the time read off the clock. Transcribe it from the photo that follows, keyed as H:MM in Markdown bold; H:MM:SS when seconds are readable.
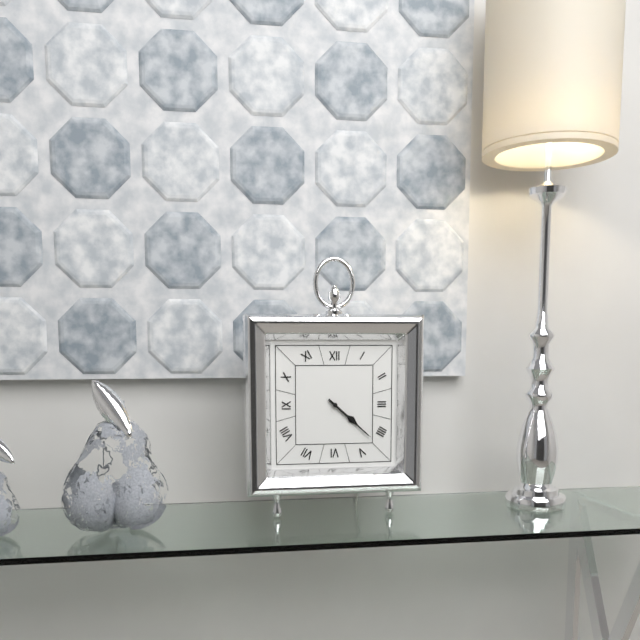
**4:22**
